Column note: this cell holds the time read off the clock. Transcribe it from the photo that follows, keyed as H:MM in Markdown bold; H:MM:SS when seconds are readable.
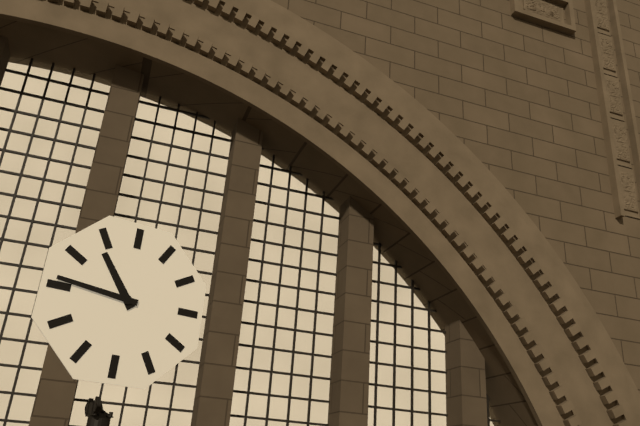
**10:46**
